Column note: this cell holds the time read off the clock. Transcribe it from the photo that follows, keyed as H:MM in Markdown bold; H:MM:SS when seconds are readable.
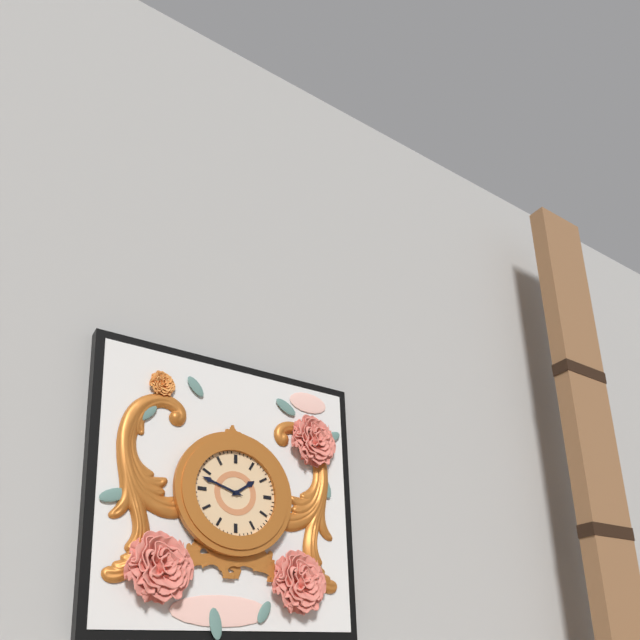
**1:48**
